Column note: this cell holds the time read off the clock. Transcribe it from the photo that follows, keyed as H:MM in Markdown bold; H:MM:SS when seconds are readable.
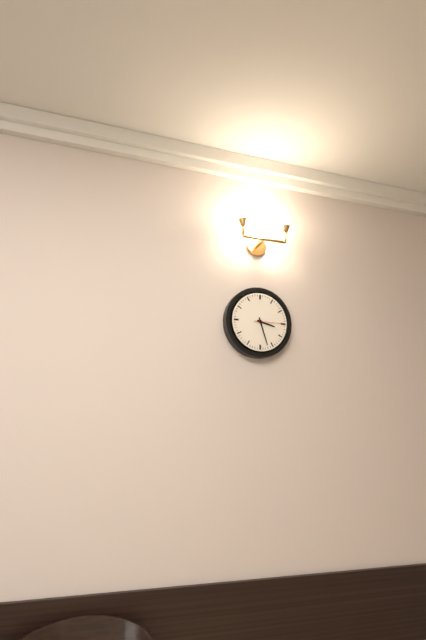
**3:27**
